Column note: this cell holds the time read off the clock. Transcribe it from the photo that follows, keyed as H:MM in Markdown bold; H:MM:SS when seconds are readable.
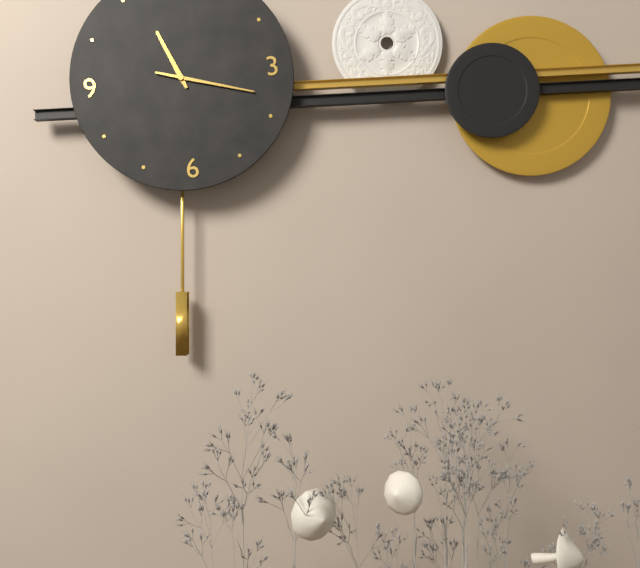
**11:18**
